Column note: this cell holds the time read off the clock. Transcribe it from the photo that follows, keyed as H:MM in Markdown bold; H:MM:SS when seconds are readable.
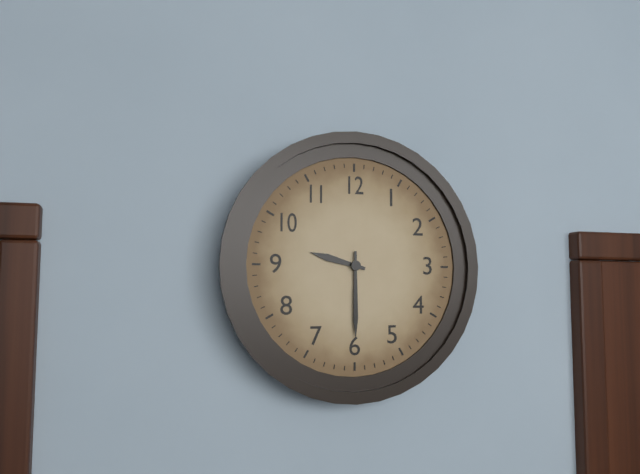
**9:30**
